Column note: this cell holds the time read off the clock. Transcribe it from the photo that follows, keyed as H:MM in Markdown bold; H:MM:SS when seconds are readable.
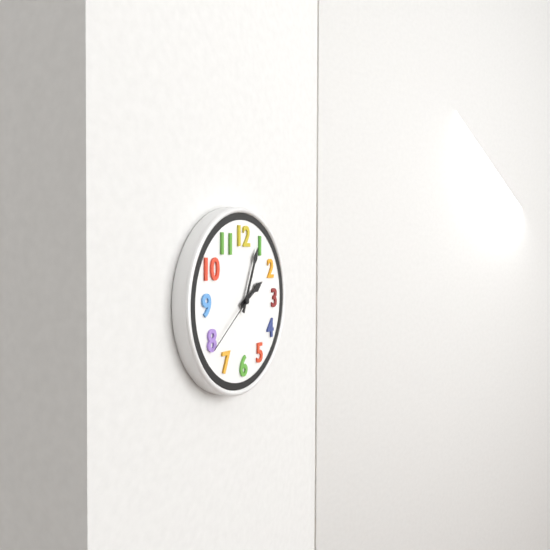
**2:04:39**
